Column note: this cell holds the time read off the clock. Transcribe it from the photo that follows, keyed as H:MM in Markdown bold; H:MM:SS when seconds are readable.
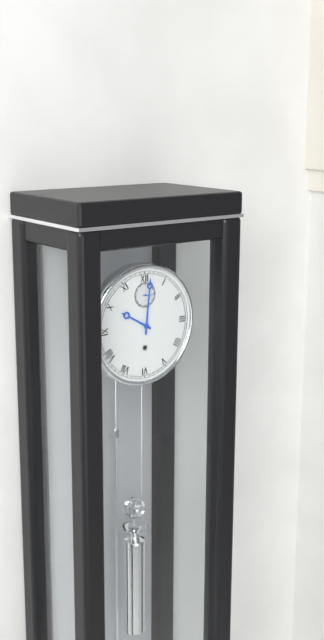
**10:01**
